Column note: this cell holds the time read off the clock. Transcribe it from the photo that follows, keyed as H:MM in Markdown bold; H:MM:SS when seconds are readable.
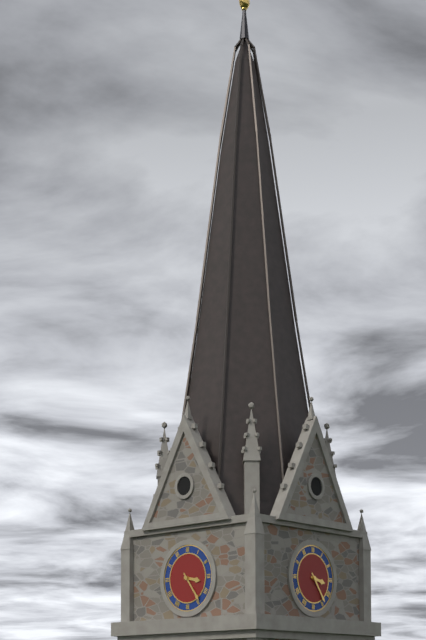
**3:24**
